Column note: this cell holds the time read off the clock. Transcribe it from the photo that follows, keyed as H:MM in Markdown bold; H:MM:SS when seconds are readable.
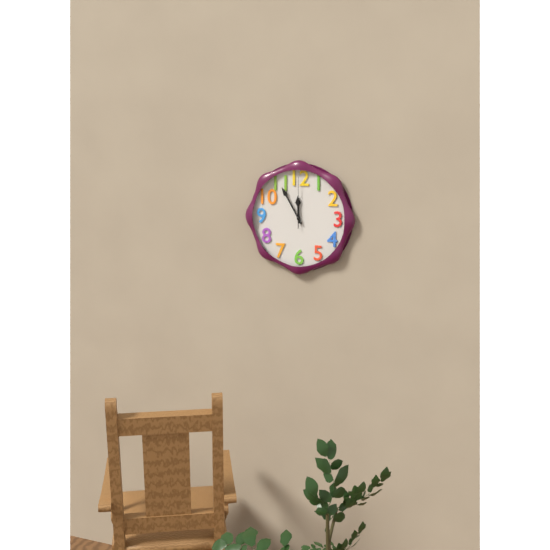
**11:55:00**
